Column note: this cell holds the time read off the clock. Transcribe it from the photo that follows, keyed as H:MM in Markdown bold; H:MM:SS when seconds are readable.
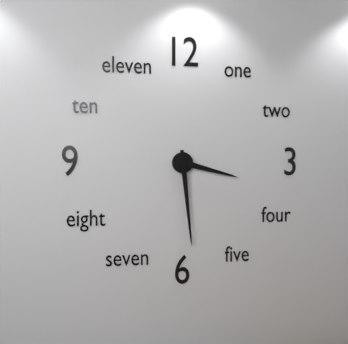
**3:29**
